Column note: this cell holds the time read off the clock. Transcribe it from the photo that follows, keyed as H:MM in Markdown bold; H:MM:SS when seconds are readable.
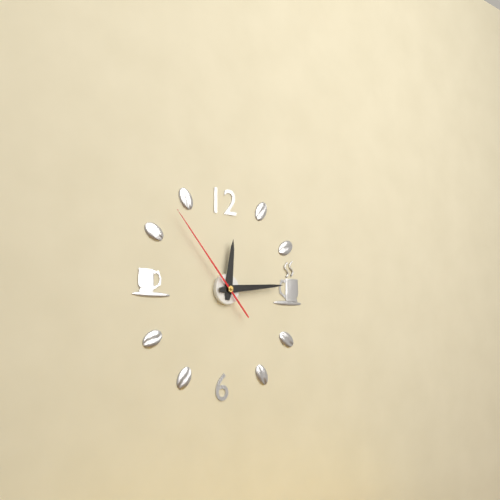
**12:14:53**
